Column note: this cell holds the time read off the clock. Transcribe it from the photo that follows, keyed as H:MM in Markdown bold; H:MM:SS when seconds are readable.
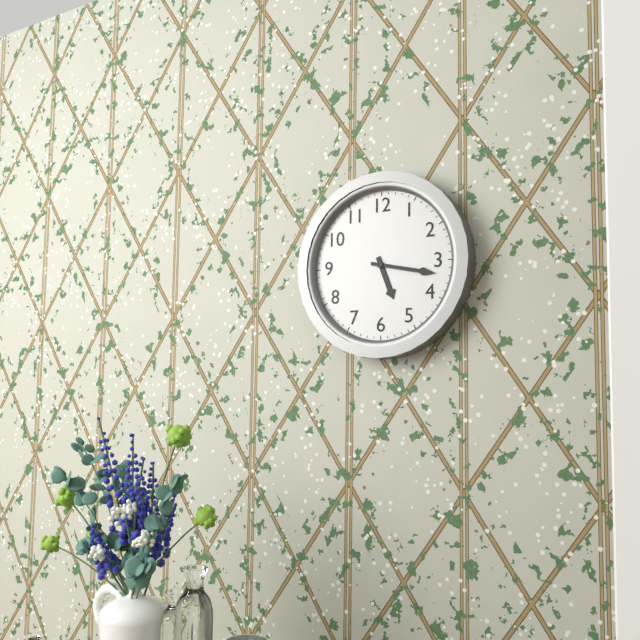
**5:17**
